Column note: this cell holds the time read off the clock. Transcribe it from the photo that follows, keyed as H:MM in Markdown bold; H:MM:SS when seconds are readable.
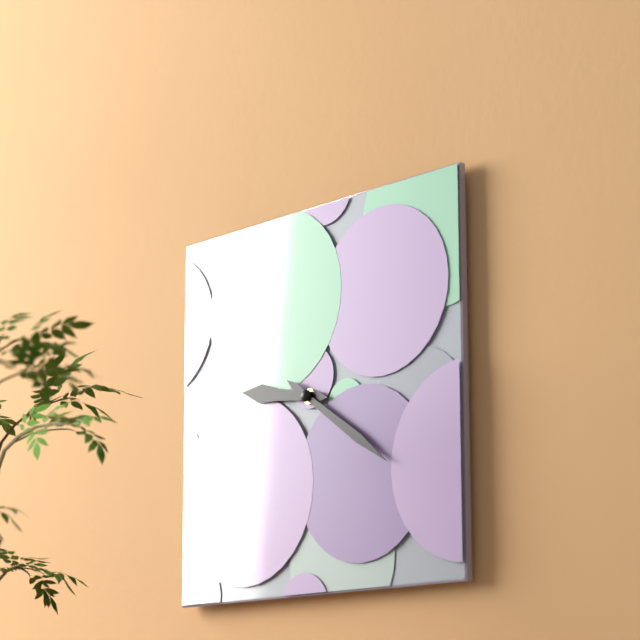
**9:21**
